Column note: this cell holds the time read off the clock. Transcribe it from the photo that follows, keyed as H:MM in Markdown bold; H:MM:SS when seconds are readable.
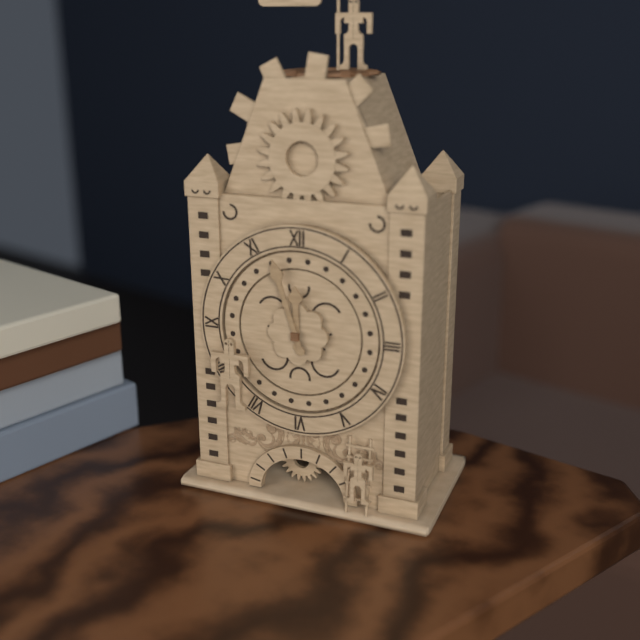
**11:57**
